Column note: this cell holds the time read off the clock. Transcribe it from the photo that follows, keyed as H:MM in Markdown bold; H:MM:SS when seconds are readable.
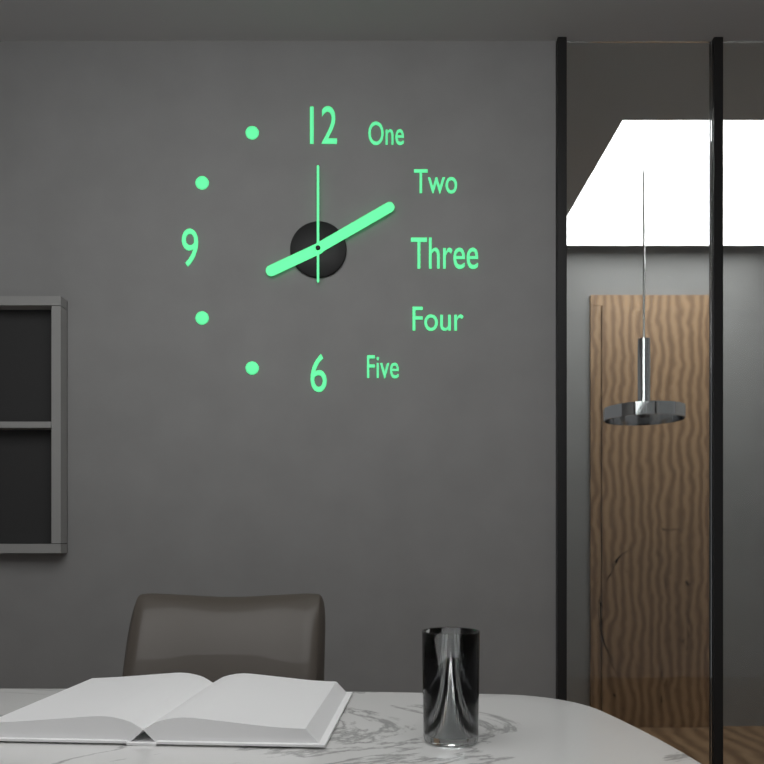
**8:10:00**
